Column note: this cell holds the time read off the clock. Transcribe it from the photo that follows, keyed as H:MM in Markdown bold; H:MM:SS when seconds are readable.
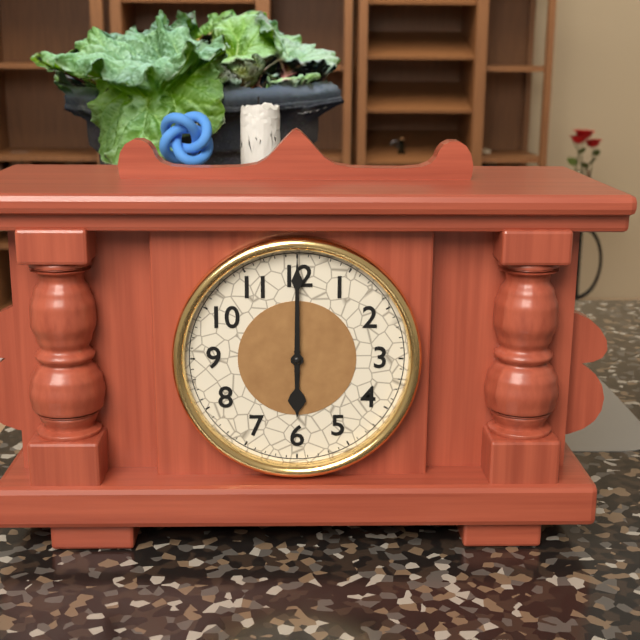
**6:00**
